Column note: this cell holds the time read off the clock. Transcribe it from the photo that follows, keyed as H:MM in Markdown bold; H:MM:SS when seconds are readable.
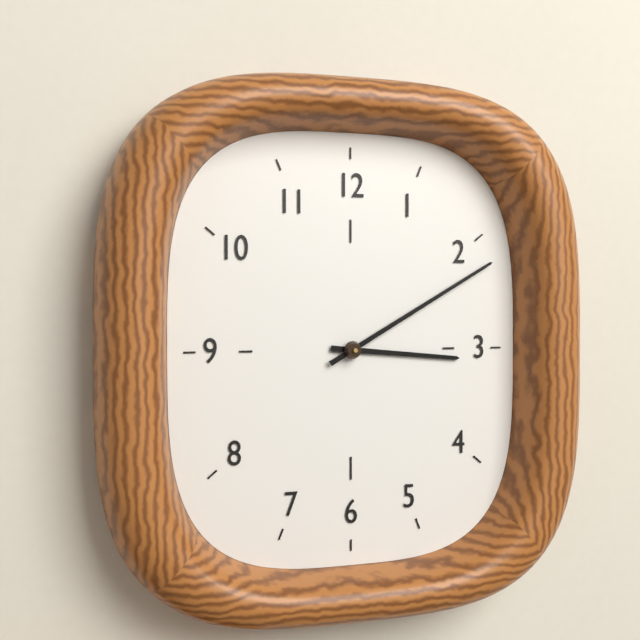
**3:10**
